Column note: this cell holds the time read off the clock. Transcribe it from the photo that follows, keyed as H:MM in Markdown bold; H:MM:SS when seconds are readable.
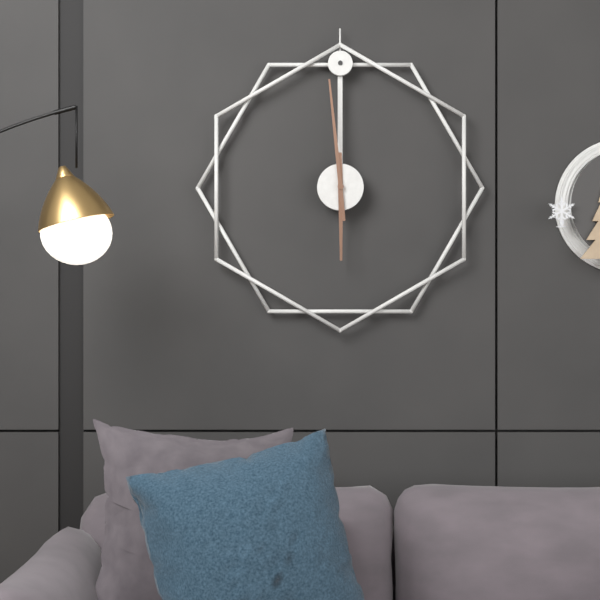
**5:59**
